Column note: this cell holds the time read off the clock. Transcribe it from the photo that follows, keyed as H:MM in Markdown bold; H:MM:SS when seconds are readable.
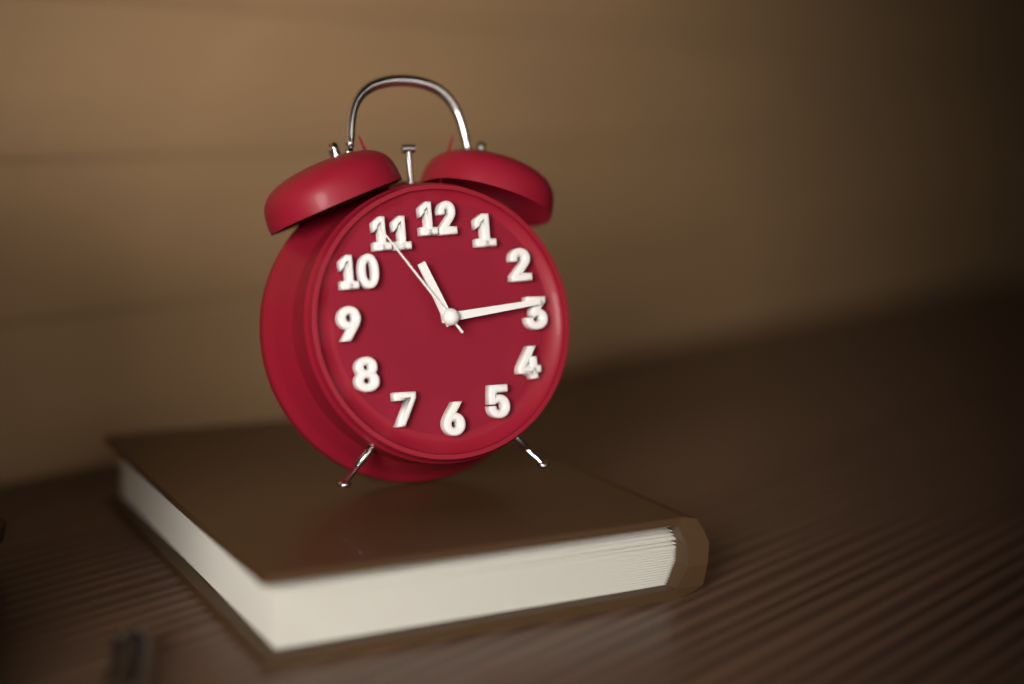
**11:14:54**
